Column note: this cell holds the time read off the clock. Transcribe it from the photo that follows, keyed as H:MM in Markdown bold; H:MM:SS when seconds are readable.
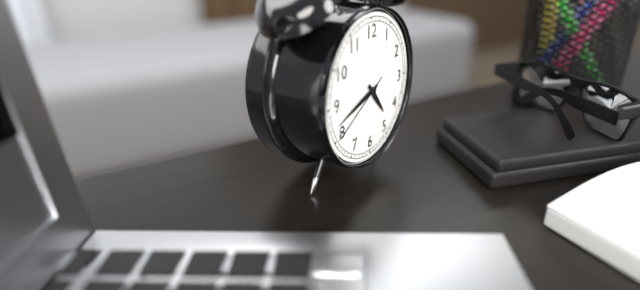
**4:42:40**
